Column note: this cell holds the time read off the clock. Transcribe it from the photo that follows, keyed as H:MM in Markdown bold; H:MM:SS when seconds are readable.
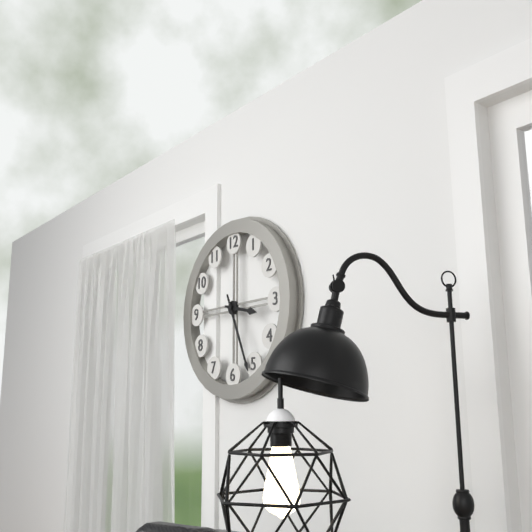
**3:26**
